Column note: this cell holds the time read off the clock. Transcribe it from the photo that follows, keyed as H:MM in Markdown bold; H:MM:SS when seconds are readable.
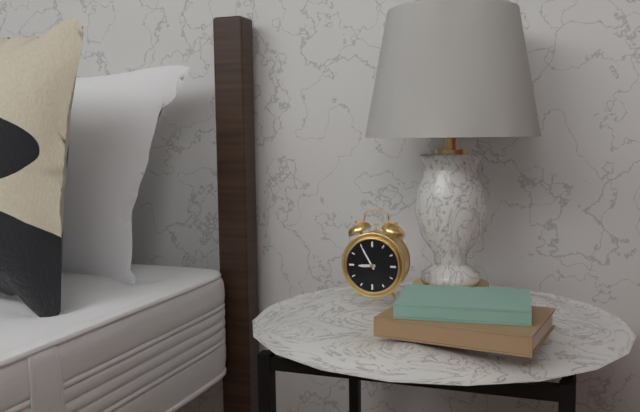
**8:55**
